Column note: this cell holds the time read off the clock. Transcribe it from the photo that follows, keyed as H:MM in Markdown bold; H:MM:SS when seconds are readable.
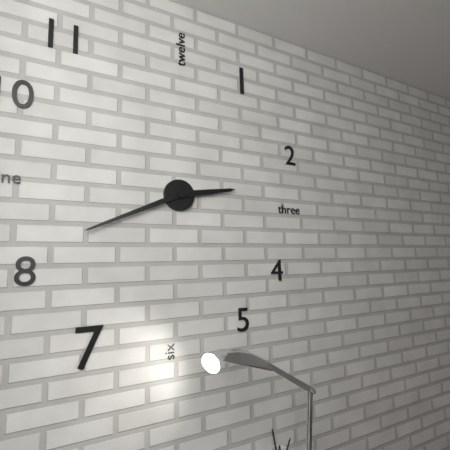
**2:41**
